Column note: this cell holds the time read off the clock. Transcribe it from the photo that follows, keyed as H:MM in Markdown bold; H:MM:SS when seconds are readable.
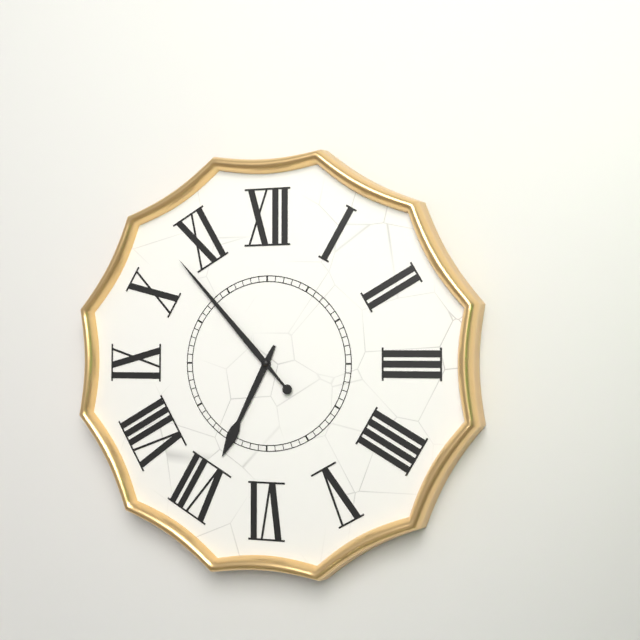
**6:53**
